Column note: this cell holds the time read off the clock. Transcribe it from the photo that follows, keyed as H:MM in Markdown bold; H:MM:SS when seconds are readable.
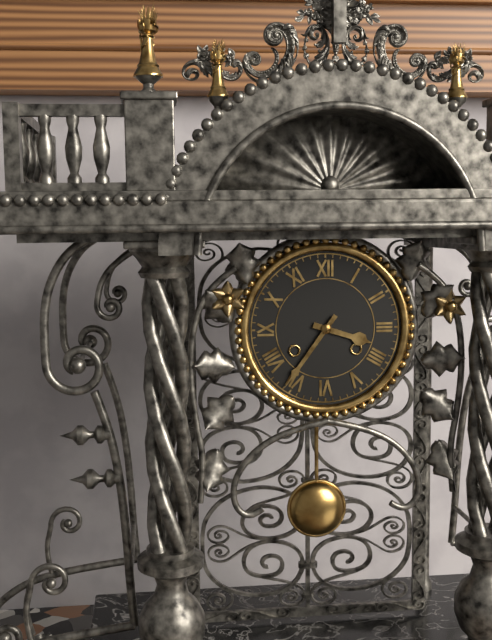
**3:36**
